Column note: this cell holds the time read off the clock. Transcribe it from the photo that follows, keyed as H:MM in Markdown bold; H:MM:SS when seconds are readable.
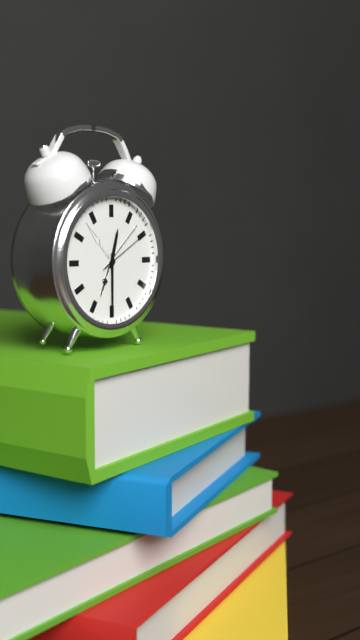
**12:30:10**
